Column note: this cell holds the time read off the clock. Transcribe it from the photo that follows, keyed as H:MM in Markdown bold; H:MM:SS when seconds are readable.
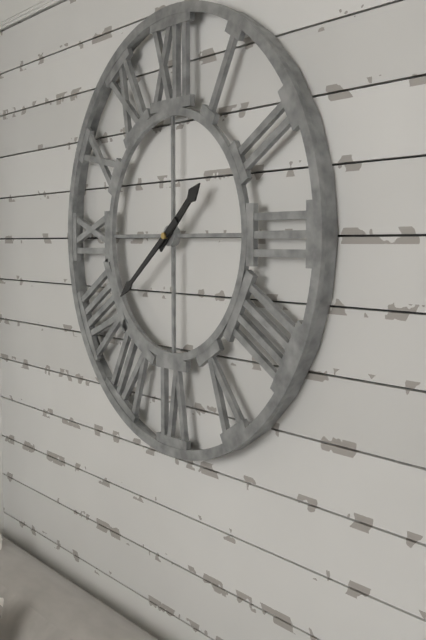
**1:39**
